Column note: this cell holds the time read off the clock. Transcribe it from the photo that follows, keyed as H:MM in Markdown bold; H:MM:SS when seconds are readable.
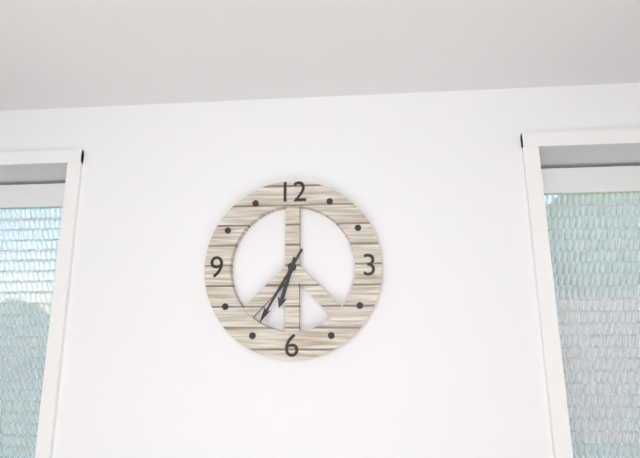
**6:35**
